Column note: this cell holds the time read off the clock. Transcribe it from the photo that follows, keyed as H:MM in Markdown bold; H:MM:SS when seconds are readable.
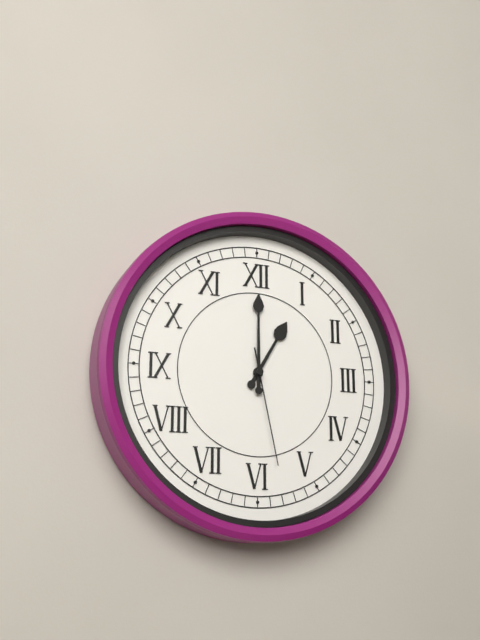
**1:00:28**
